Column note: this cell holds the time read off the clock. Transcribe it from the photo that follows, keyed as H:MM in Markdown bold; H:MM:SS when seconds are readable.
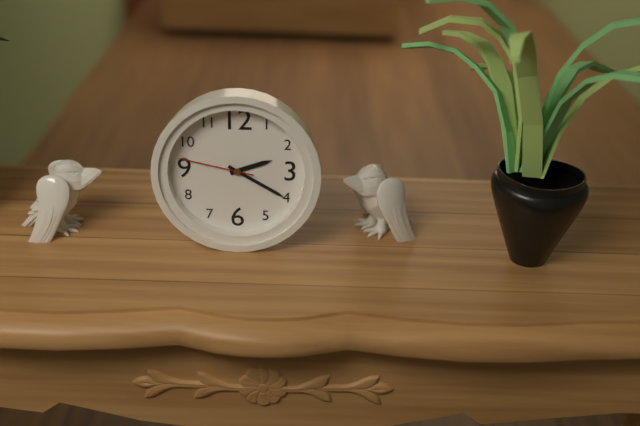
**2:20:47**
